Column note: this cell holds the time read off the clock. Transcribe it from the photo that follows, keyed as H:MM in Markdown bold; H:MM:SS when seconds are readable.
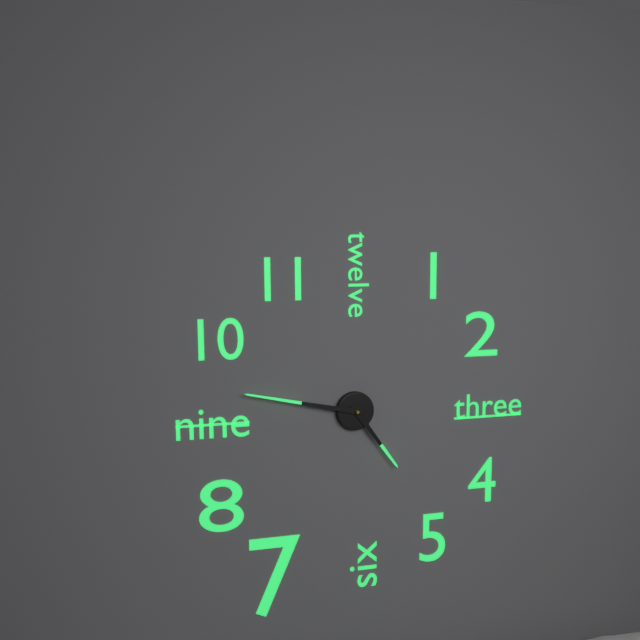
**4:47**
